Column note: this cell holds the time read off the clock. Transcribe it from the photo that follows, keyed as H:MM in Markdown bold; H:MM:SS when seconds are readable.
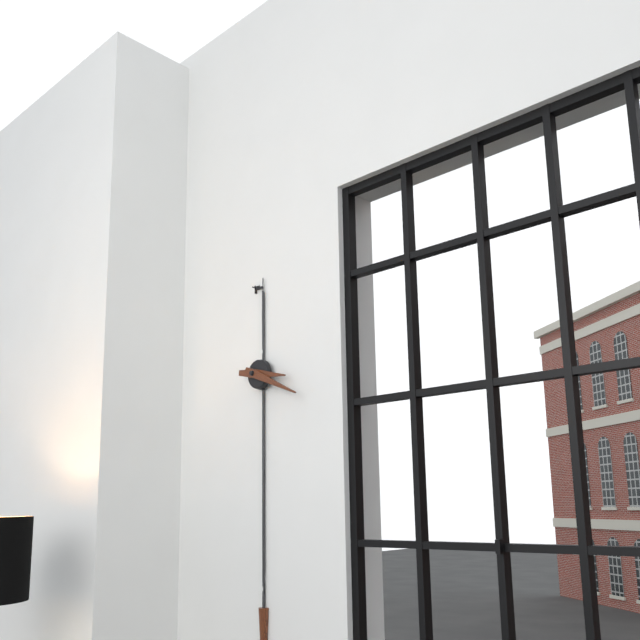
**3:19**
